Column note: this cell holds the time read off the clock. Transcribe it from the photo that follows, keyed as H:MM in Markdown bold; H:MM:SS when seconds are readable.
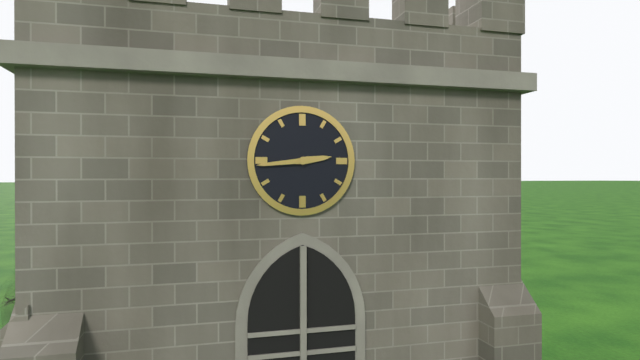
**2:44**
